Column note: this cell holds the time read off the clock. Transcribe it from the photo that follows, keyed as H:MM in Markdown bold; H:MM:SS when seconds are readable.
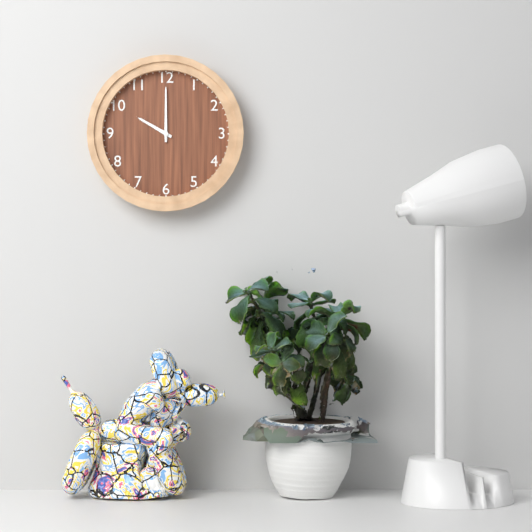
**10:00**
